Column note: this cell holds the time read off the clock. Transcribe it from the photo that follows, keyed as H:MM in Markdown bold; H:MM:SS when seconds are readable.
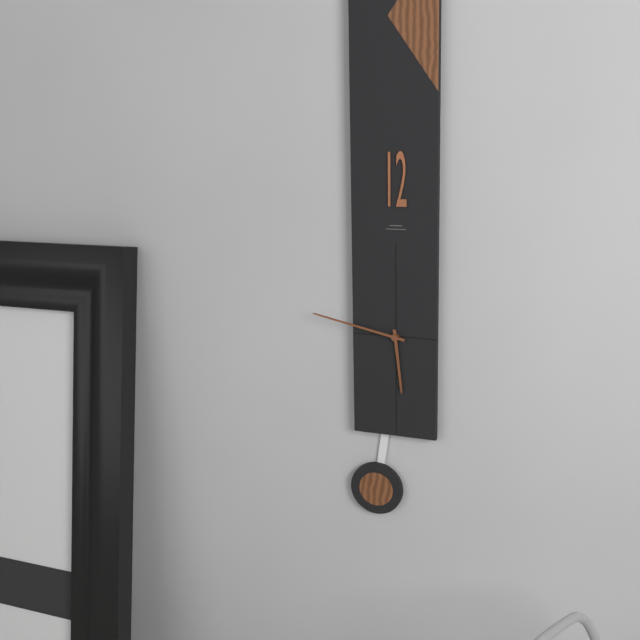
**5:47**
